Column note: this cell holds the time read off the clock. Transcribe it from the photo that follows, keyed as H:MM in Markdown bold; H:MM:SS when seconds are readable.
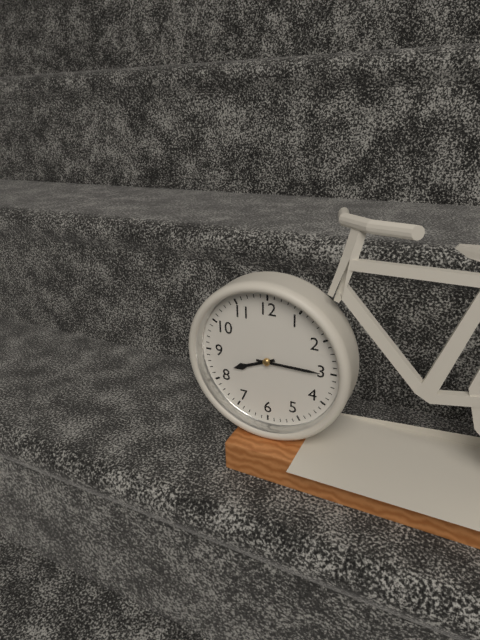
**8:15**
